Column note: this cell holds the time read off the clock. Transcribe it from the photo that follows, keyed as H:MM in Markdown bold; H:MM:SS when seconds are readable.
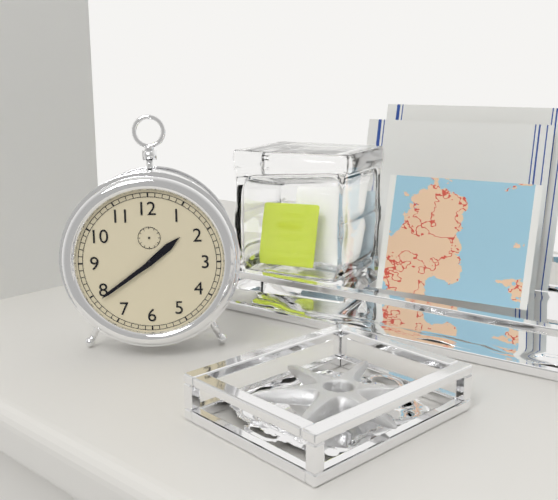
**1:39**
